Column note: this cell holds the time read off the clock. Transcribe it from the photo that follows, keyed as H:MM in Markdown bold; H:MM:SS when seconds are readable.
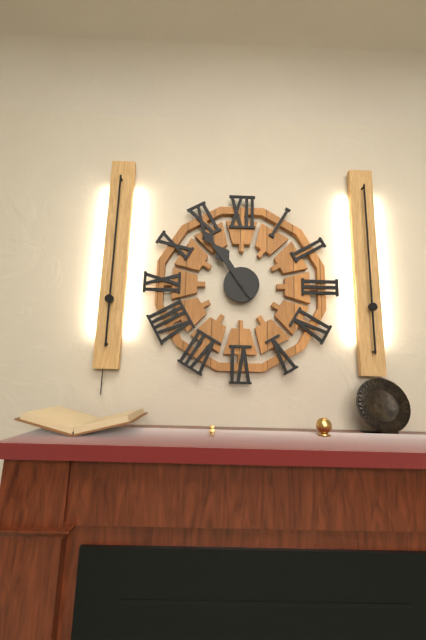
**10:54**
